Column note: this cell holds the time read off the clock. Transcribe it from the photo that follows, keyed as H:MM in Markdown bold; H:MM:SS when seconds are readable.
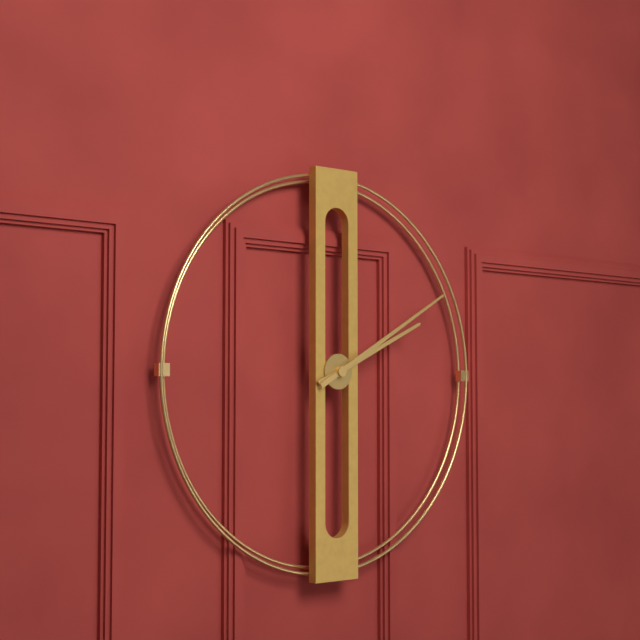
**2:10**
